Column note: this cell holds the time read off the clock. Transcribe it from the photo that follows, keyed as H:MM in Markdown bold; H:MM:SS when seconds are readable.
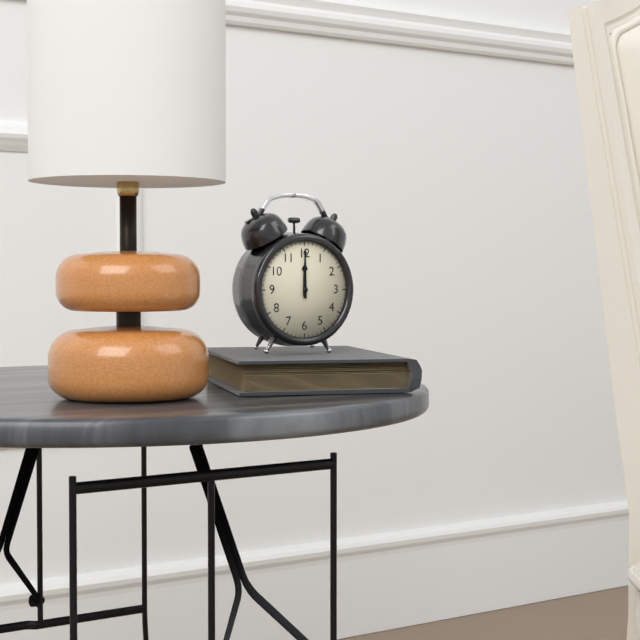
**12:00**
